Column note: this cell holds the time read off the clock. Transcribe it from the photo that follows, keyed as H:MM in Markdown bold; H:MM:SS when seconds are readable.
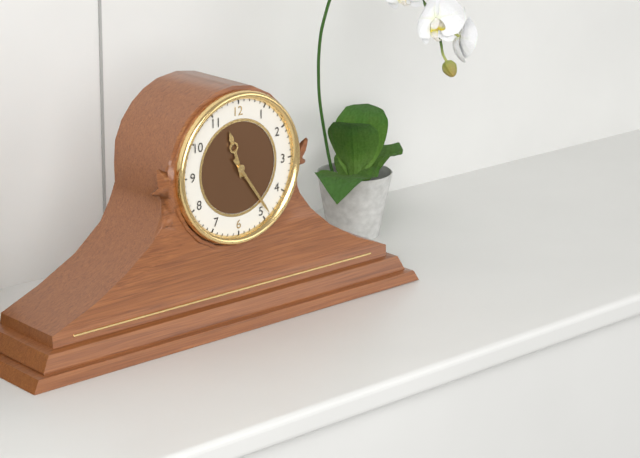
**11:24**
